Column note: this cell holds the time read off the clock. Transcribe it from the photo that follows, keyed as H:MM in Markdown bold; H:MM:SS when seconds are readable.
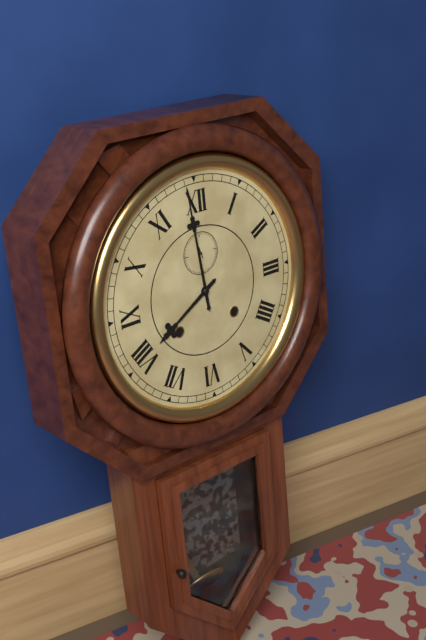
**7:59**
